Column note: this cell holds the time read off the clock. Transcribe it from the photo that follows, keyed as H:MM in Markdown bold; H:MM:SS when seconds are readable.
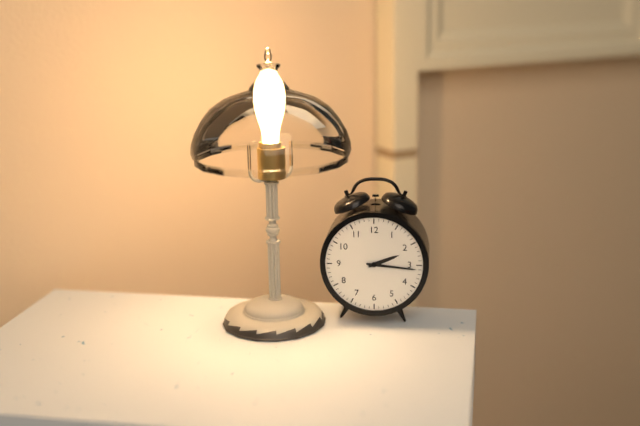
**2:16**
